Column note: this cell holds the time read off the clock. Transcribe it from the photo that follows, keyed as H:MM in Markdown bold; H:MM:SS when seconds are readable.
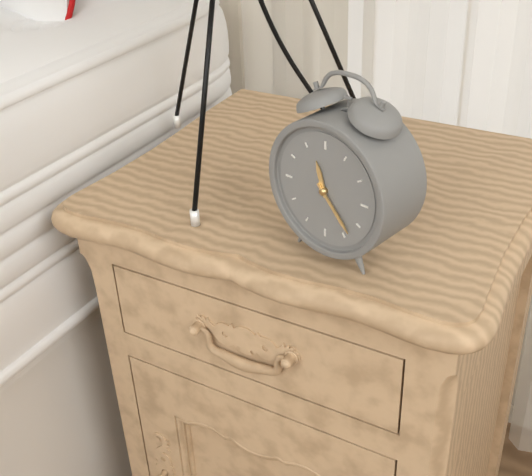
**11:23**
